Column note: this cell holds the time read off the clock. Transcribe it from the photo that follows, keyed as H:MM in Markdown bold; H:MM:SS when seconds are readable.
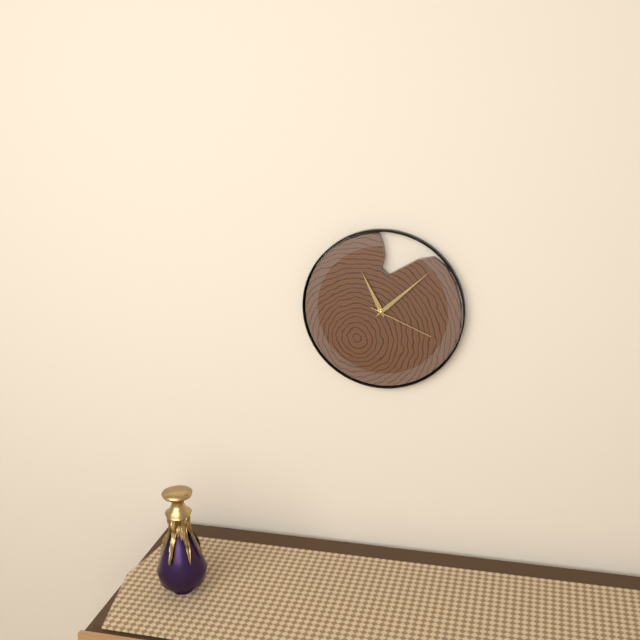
**11:08:19**
